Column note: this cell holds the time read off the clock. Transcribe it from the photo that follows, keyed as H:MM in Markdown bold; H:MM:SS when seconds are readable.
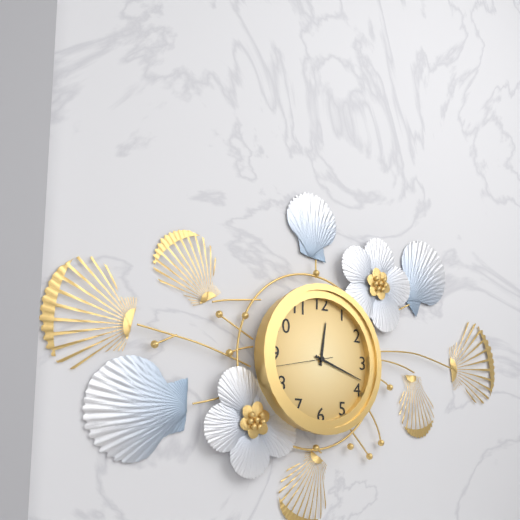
**12:18:43**
